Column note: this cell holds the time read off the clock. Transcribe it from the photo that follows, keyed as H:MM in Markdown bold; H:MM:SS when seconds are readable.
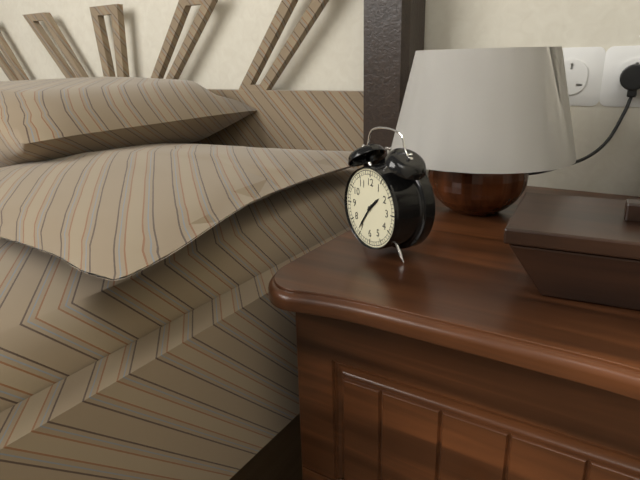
**1:36**
